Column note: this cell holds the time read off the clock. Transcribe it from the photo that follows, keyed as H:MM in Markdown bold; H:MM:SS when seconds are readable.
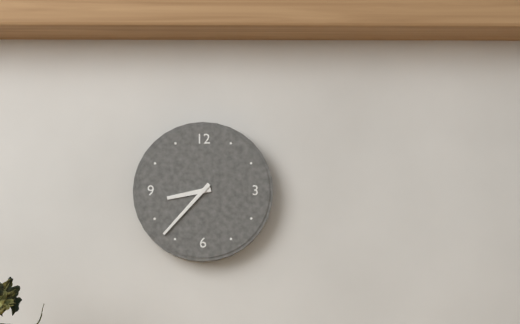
**8:37**
